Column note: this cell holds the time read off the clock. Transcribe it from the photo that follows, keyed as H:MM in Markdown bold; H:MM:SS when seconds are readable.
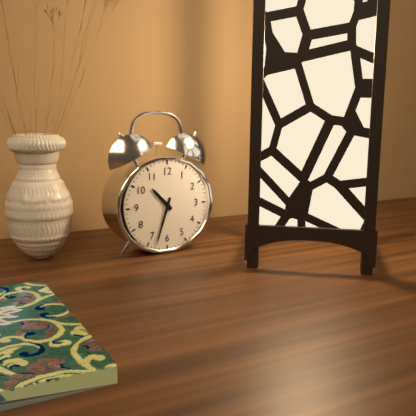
**10:33**
